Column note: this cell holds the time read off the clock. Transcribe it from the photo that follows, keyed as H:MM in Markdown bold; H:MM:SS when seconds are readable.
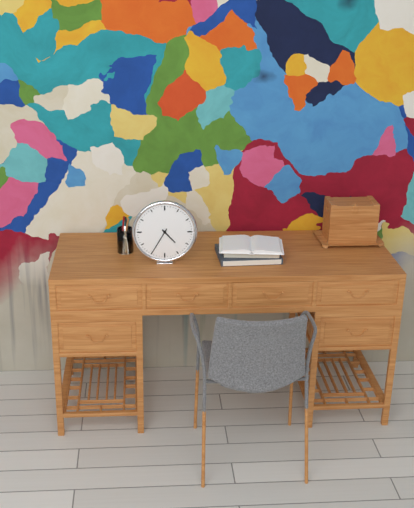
**4:35**
